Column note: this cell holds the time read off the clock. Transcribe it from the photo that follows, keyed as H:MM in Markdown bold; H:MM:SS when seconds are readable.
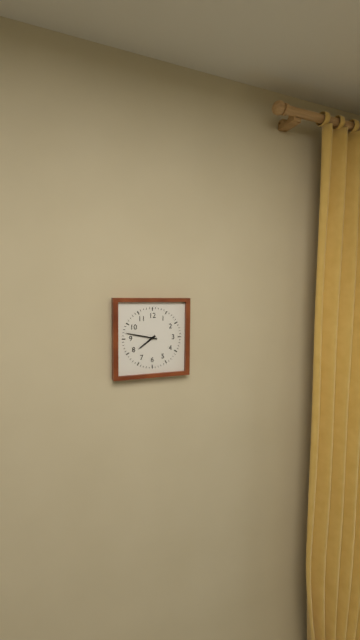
**7:47**
